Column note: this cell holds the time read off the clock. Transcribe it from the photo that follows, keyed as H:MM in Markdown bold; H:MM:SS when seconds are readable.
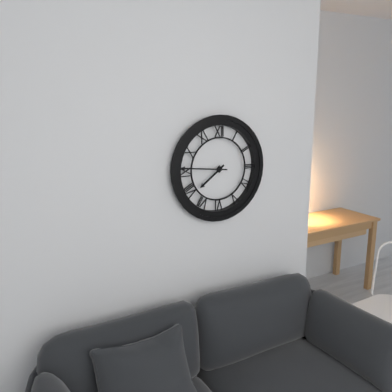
**7:46**
